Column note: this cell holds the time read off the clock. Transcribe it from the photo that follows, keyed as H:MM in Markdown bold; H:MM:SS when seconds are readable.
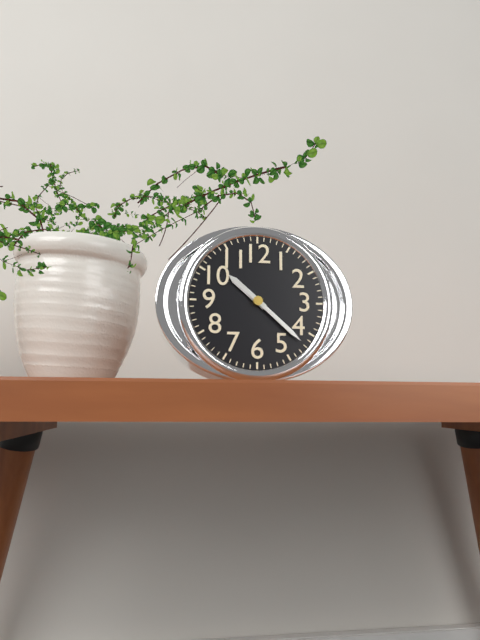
**10:22**
